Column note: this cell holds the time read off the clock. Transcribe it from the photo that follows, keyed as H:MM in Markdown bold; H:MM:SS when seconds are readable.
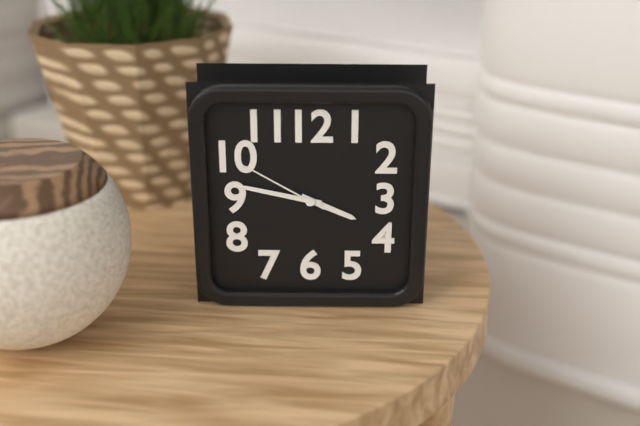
**3:47:50**
